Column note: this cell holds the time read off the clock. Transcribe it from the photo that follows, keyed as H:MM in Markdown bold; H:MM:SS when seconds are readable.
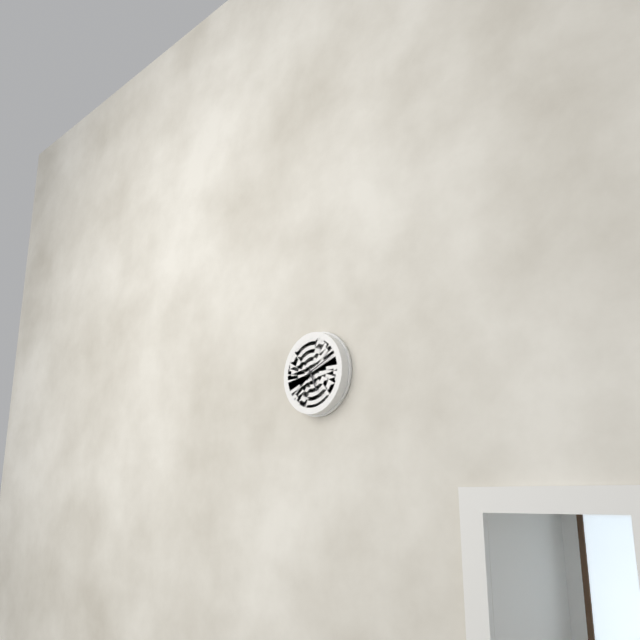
**5:11**
